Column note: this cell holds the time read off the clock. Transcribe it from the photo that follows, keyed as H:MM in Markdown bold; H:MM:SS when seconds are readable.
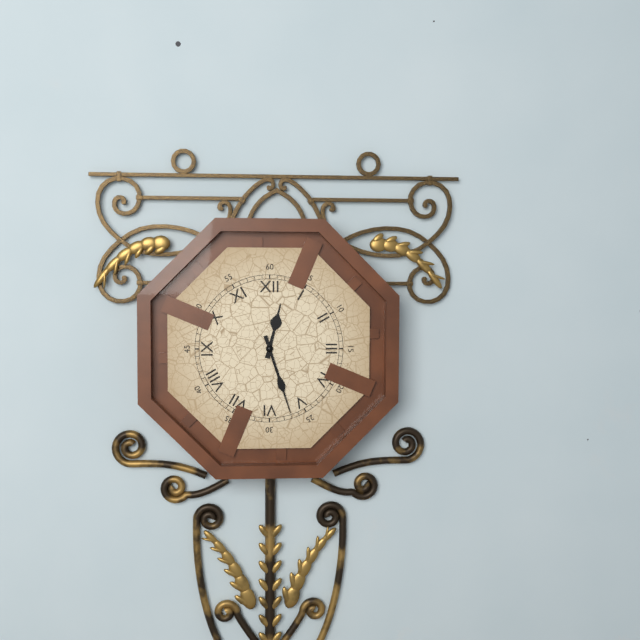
**12:27**
